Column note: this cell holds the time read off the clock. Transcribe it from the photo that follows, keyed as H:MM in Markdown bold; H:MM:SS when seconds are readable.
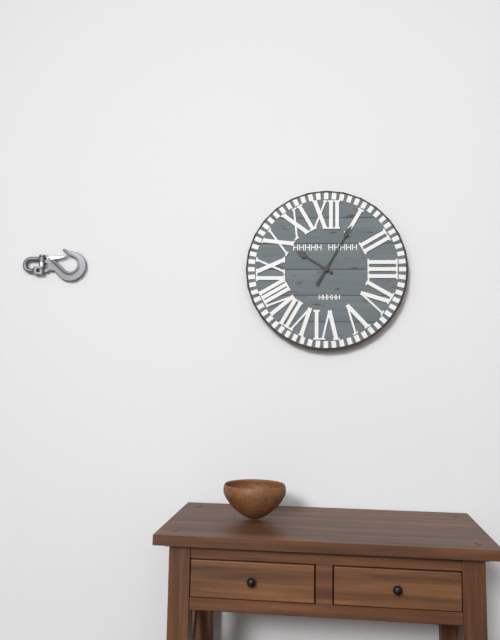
**10:05**
